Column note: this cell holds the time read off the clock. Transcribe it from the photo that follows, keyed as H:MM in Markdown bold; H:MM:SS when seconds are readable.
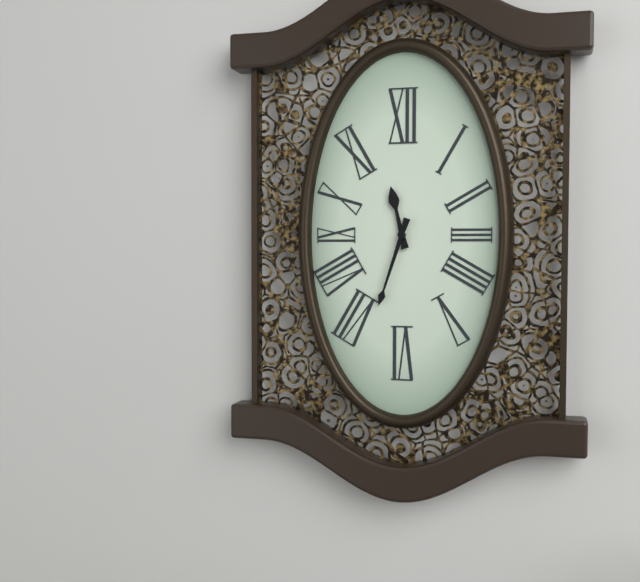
**11:33**
